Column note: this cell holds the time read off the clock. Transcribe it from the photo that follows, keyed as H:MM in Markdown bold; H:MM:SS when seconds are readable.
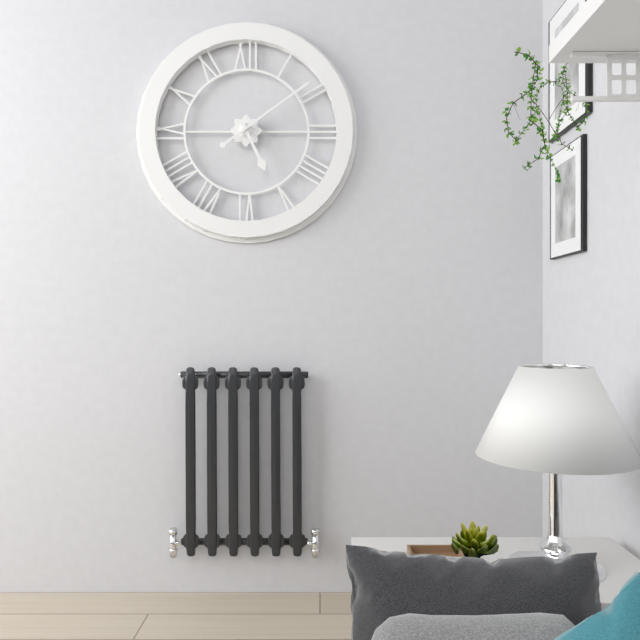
**5:09**
